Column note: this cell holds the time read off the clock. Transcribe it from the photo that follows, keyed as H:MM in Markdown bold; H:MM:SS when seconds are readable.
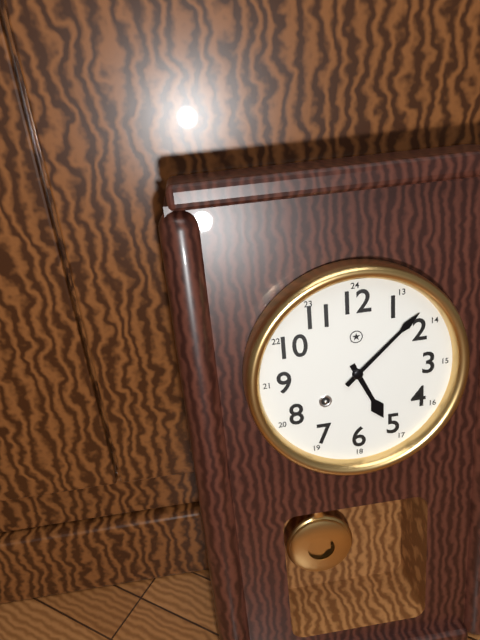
**5:08**
